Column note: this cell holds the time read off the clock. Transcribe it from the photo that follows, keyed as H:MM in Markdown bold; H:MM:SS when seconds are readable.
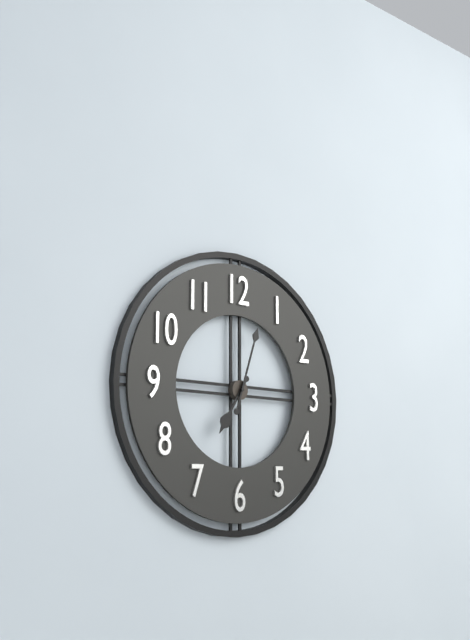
**7:03**
